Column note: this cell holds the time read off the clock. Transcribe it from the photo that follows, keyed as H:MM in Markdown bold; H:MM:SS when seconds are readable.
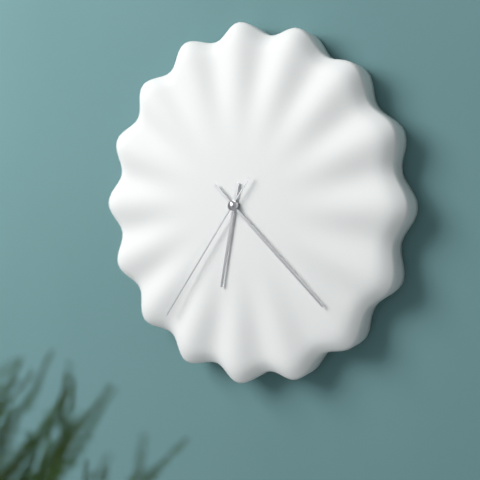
**6:22:36**
